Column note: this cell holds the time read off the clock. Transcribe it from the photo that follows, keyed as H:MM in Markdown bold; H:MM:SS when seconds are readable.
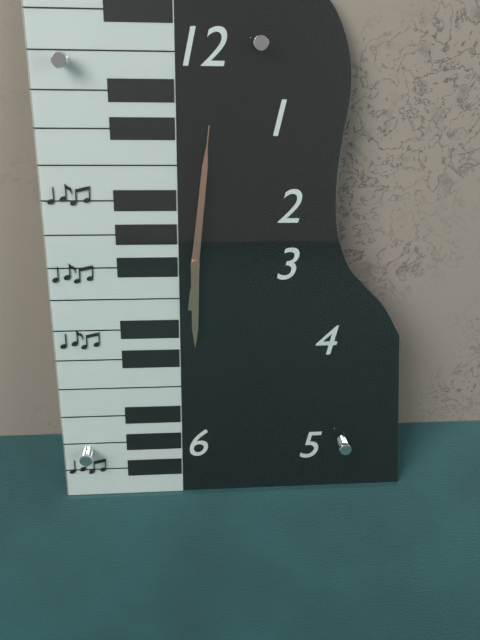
**6:01:01**
